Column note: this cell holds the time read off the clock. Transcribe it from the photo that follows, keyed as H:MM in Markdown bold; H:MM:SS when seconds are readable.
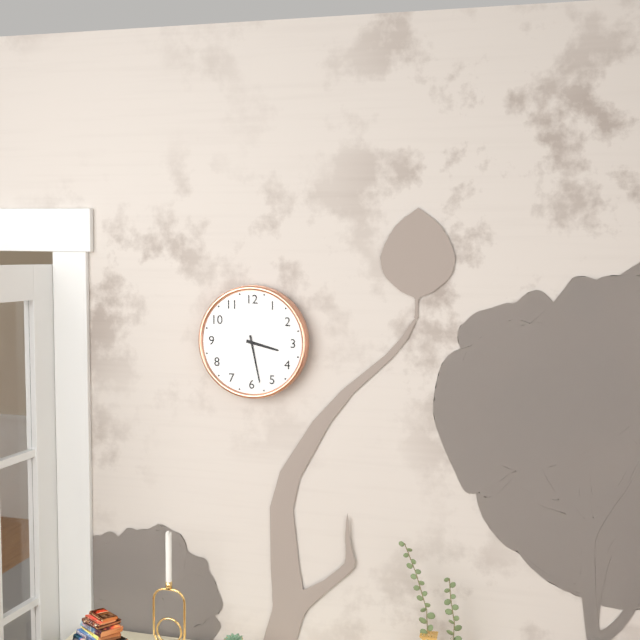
**3:28**
